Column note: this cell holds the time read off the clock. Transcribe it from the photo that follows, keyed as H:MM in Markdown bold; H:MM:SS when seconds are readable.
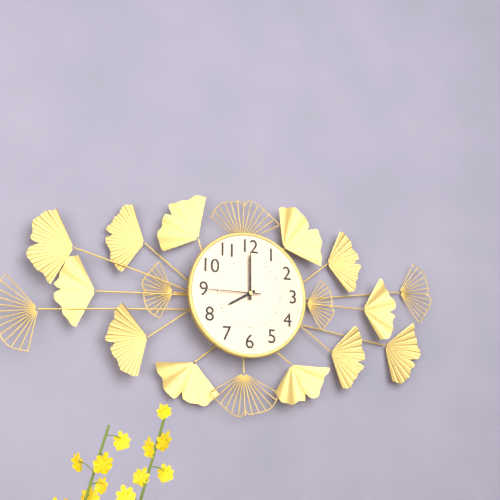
**8:00**
